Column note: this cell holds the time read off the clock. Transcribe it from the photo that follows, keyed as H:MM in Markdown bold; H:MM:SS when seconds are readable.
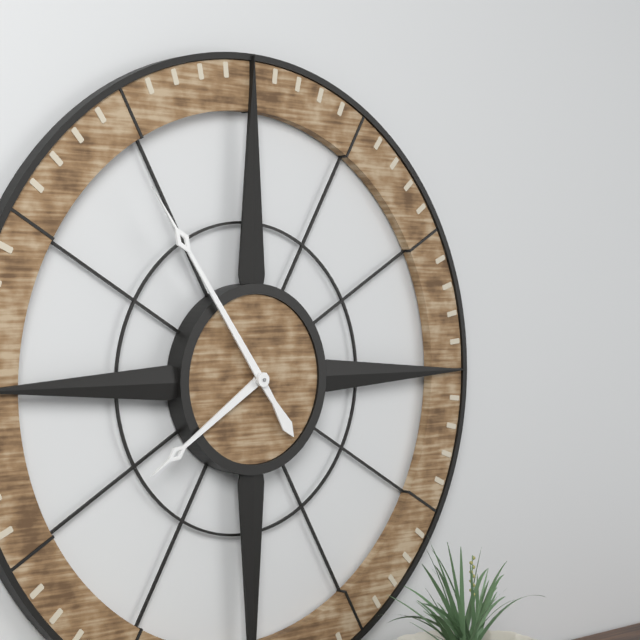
**7:54**
